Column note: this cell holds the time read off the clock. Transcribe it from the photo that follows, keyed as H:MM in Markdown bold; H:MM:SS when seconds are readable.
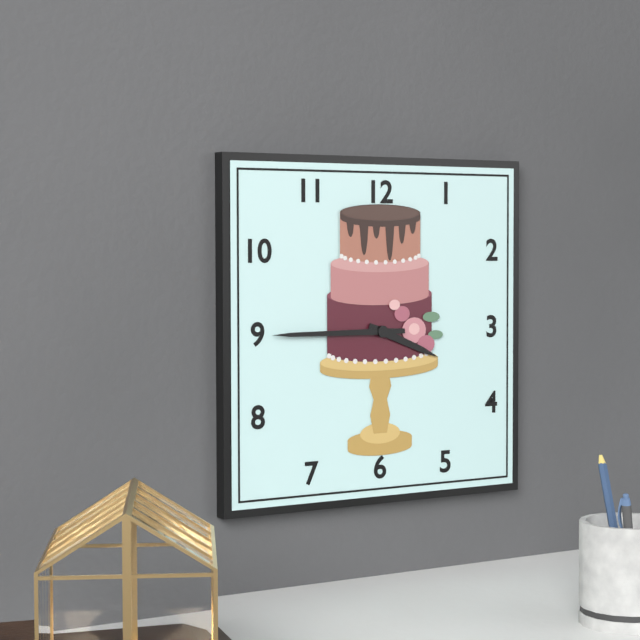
**3:45**
